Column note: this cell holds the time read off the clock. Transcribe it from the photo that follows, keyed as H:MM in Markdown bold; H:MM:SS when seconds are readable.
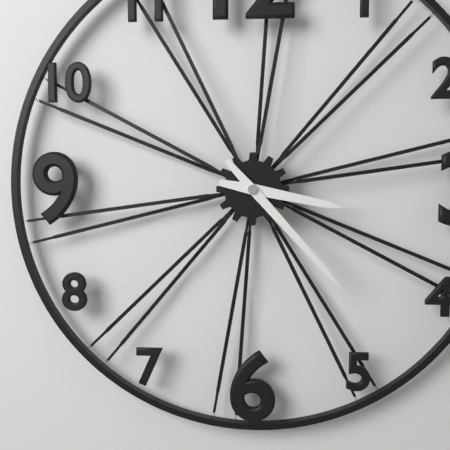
**3:23**
